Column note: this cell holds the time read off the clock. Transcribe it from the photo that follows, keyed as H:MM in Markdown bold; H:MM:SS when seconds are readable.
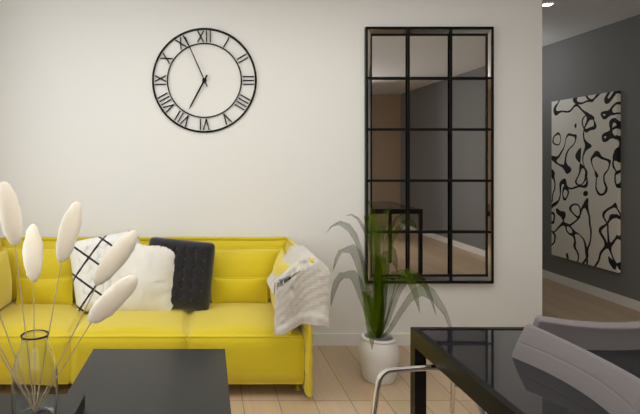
**6:56**
